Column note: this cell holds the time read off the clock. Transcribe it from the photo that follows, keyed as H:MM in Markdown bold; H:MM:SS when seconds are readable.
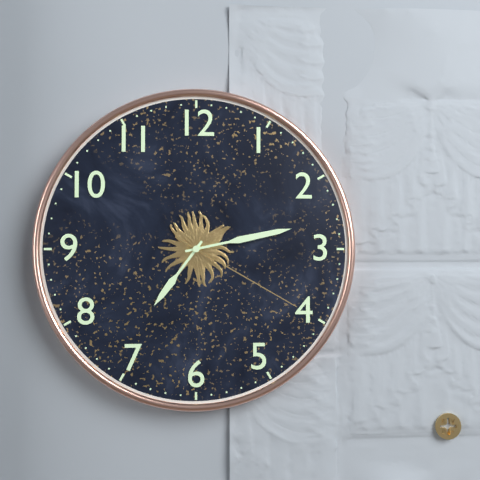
**7:13:20**
